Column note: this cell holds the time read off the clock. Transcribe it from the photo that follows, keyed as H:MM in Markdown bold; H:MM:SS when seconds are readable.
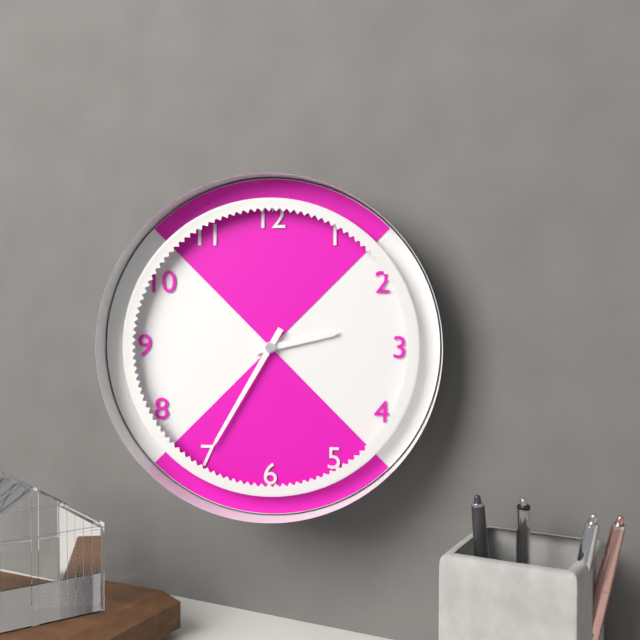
**2:35**
